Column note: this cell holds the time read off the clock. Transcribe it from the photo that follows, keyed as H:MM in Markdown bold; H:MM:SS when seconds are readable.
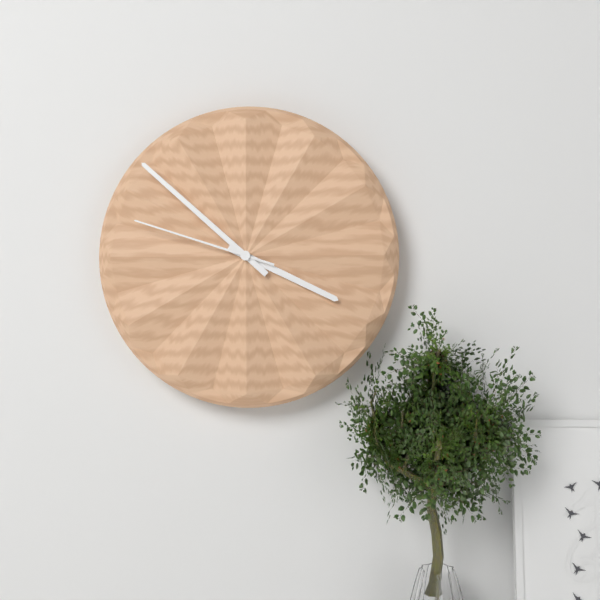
**3:52:48**
